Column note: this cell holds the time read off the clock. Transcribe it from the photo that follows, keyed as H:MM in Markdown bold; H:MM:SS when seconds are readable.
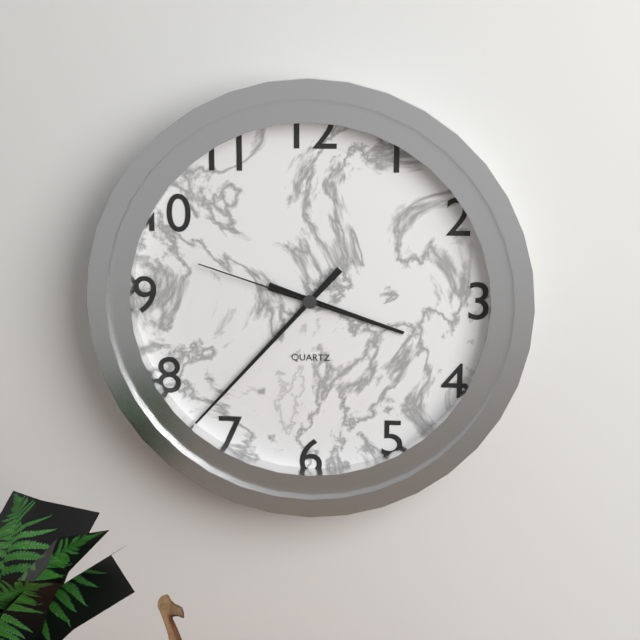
**3:37:48**
